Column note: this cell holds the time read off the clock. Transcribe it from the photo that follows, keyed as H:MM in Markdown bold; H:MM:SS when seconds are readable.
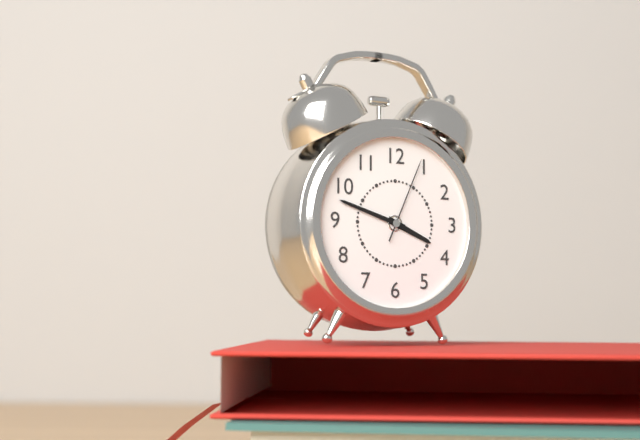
**3:48:04**
